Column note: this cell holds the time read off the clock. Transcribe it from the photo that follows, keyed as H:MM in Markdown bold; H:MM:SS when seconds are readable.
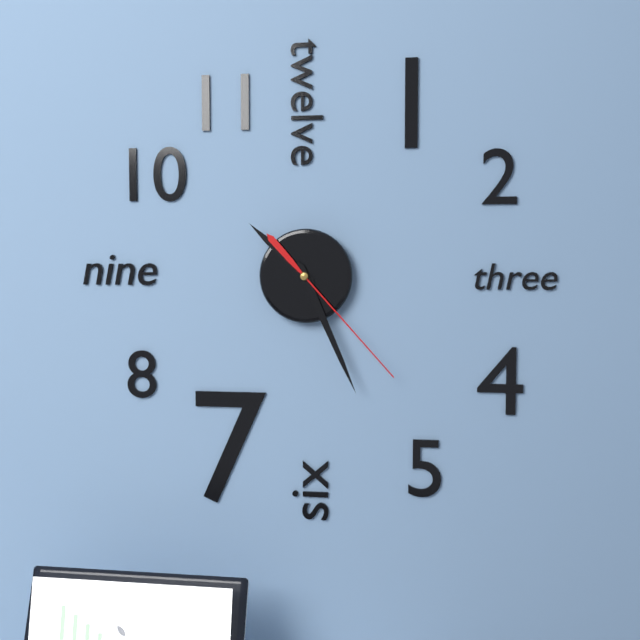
**10:26:23**
